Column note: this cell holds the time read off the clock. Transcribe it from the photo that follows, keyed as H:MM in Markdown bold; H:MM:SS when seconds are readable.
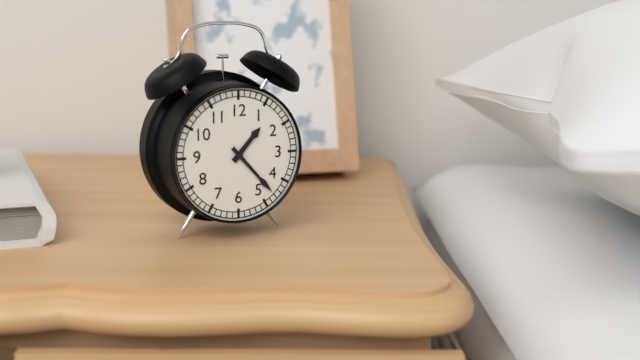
**1:23**
